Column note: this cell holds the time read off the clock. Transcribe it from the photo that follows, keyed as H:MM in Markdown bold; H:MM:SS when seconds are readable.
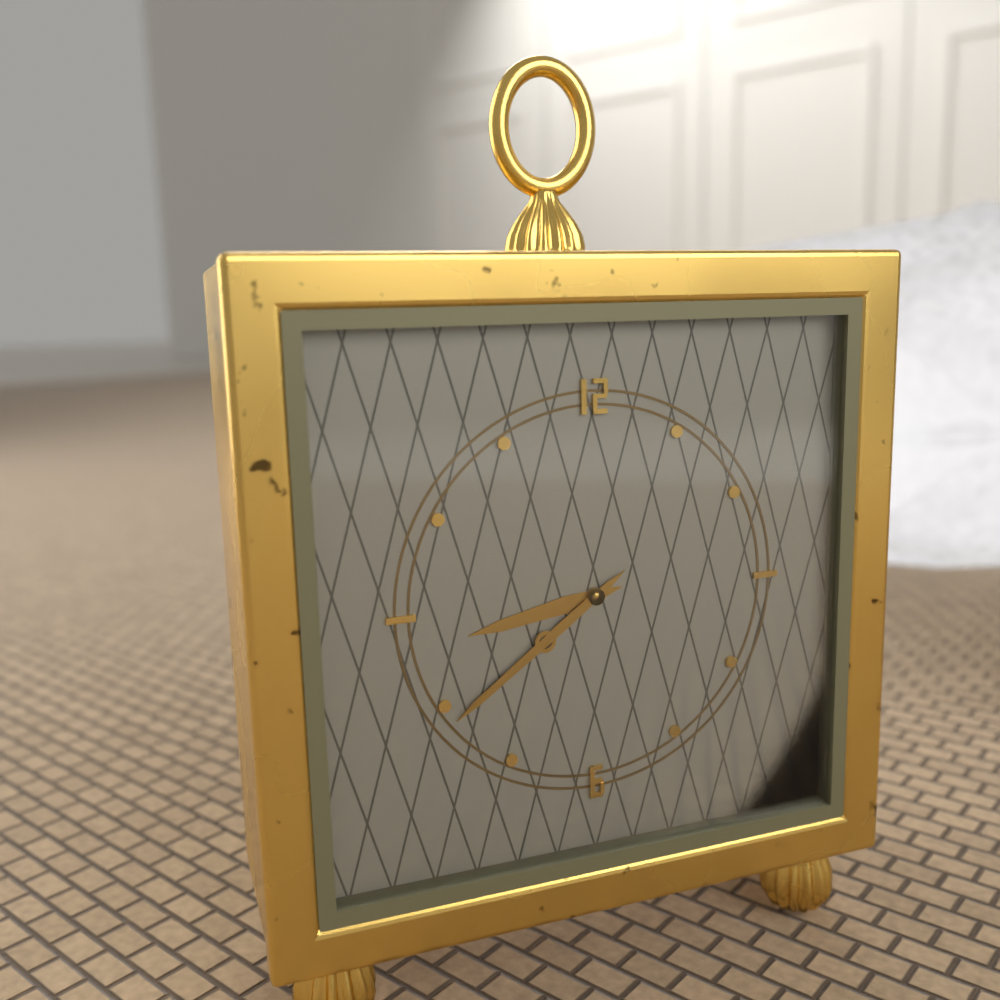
**8:39**
